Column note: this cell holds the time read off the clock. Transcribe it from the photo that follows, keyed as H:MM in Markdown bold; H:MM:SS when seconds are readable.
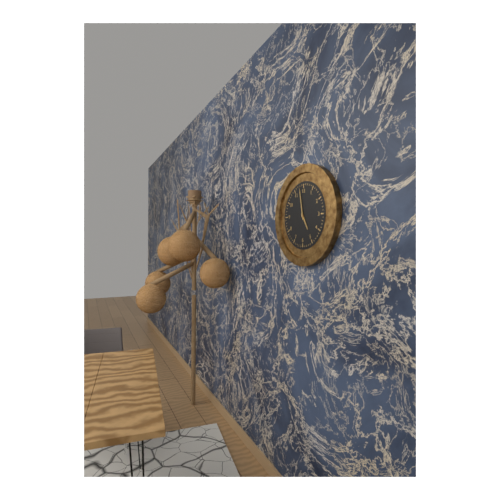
**4:58**
